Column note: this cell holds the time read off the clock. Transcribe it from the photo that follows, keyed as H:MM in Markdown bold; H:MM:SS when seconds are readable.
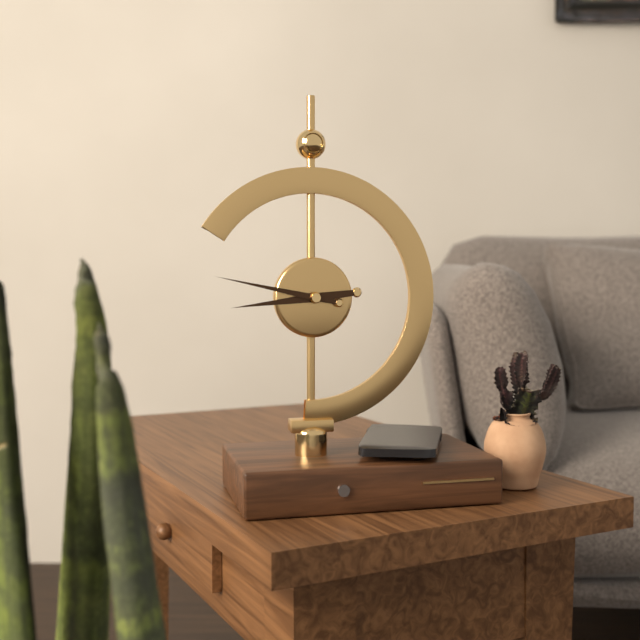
**8:47**
